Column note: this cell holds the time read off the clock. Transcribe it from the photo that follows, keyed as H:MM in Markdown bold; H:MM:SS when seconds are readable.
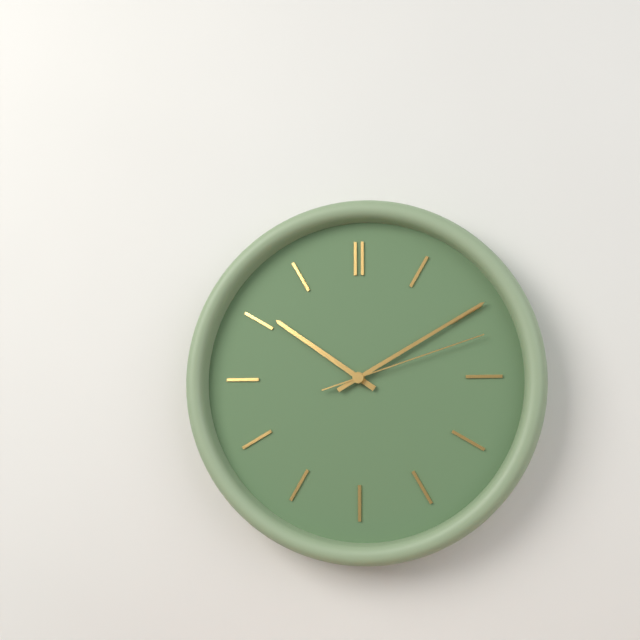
**10:10:12**
